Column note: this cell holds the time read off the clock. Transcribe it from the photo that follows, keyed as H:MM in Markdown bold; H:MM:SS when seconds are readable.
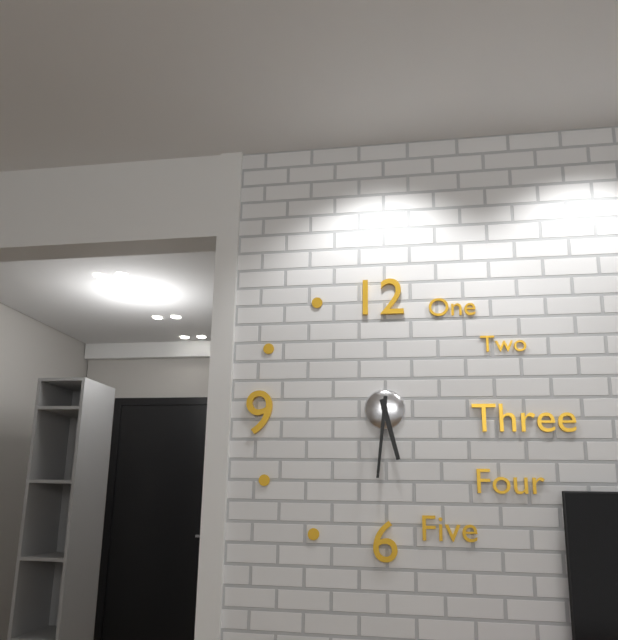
**5:31**
